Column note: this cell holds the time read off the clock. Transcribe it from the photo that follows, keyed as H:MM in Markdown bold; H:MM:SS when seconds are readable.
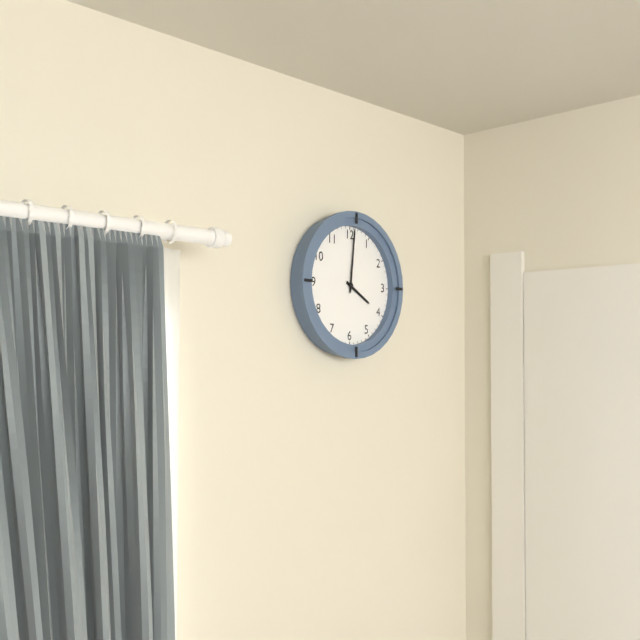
**4:01**
